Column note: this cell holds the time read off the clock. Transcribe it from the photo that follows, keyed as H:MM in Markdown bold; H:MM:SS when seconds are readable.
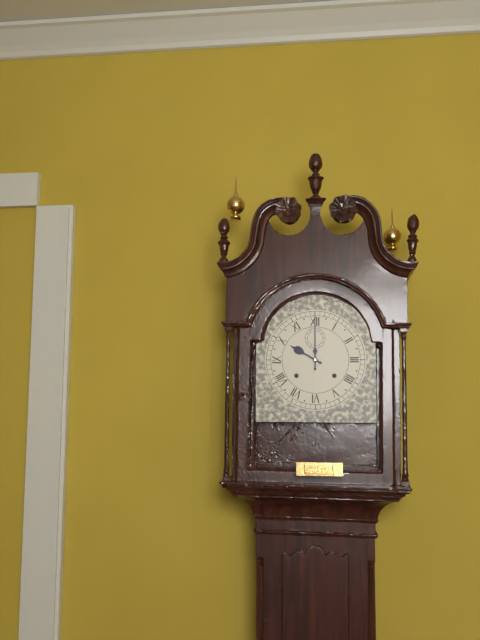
**10:00**
